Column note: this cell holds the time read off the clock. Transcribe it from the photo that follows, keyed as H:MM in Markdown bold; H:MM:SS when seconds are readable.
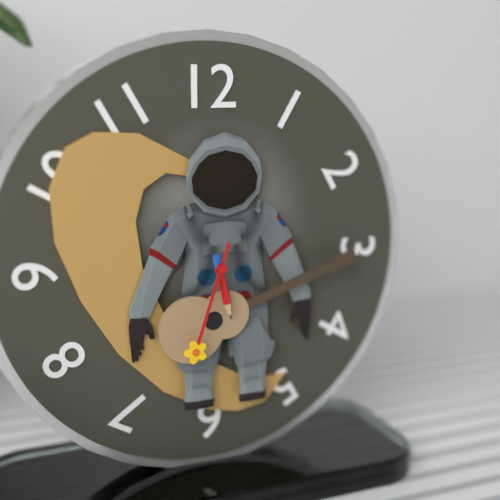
**5:33**
